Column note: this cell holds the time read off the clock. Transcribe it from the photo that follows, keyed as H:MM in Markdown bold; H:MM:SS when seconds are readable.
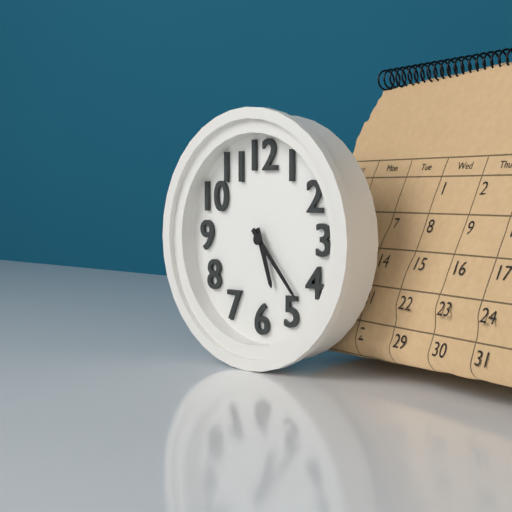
**5:23**
